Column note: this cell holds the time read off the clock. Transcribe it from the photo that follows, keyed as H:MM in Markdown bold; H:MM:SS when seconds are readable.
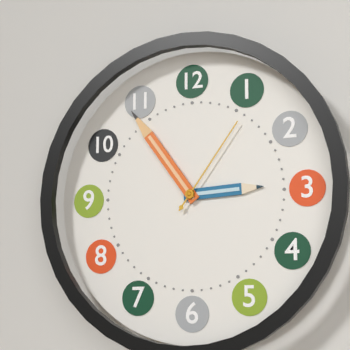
**2:54:06**
